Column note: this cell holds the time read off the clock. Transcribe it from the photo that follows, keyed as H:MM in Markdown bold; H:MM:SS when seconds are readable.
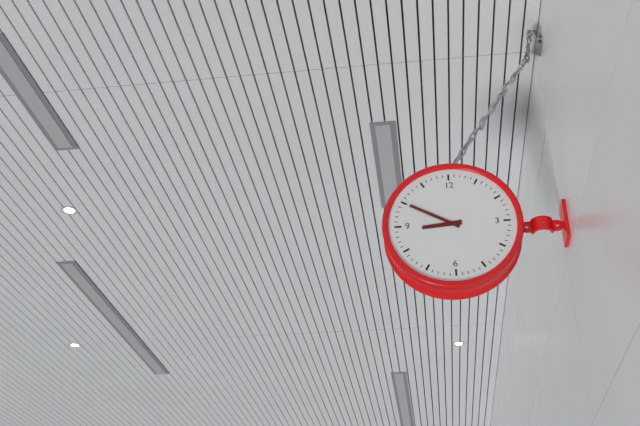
**8:50**
